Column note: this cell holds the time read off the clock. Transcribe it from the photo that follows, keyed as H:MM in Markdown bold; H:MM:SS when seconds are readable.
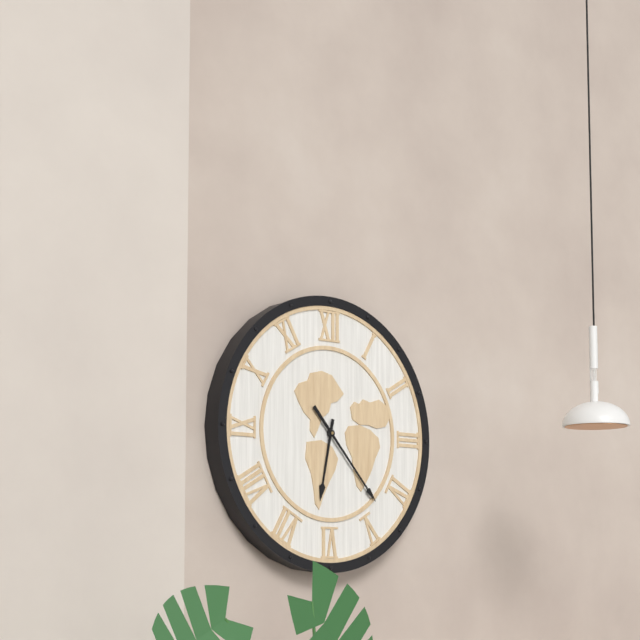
**6:23**
